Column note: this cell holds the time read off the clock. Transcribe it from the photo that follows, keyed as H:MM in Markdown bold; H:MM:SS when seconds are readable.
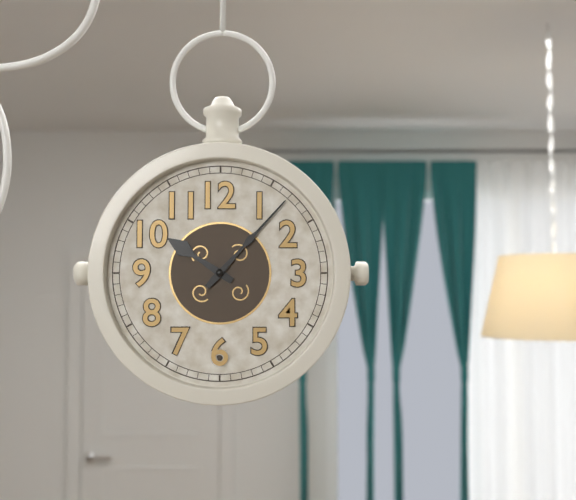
**10:07**
